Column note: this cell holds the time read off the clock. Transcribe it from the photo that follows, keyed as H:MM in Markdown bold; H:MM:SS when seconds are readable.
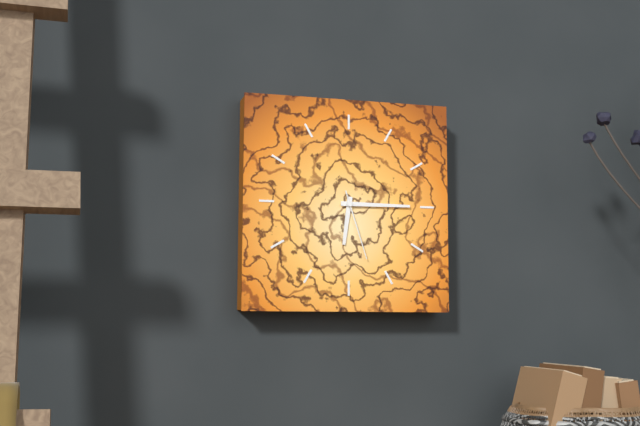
**6:15:27**
